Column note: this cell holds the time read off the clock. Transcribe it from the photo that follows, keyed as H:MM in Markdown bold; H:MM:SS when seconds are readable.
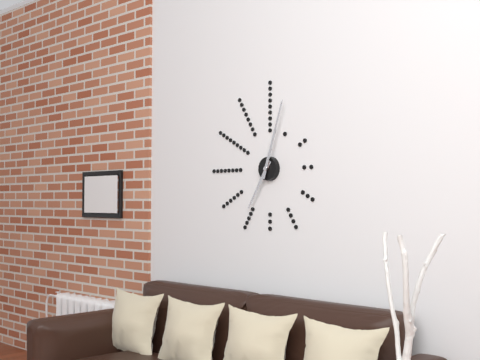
**7:03**
